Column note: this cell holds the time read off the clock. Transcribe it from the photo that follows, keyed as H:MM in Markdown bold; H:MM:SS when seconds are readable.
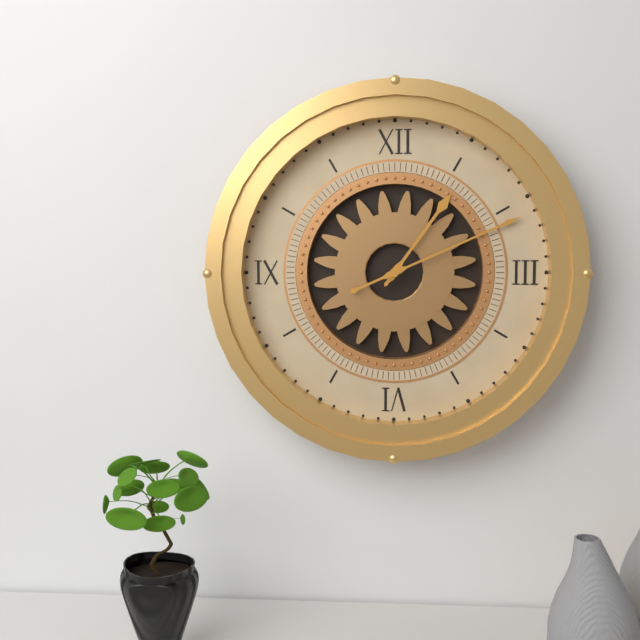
**1:11**
